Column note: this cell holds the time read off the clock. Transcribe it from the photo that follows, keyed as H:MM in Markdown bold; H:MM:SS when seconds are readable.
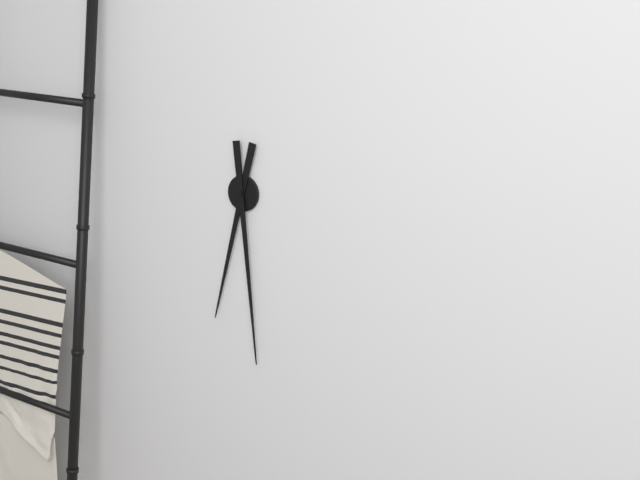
**6:29**
